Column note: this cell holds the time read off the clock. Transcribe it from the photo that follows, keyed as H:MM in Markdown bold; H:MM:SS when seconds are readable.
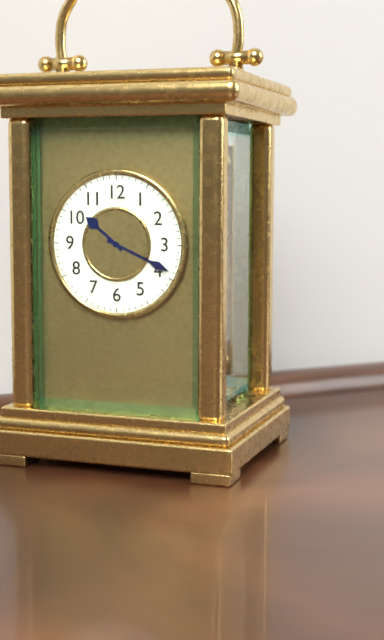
**10:19**
